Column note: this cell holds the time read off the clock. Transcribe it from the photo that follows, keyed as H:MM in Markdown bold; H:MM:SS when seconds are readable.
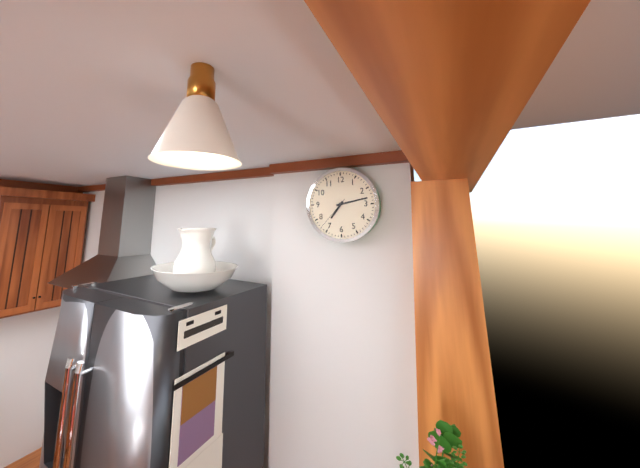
**7:13**
